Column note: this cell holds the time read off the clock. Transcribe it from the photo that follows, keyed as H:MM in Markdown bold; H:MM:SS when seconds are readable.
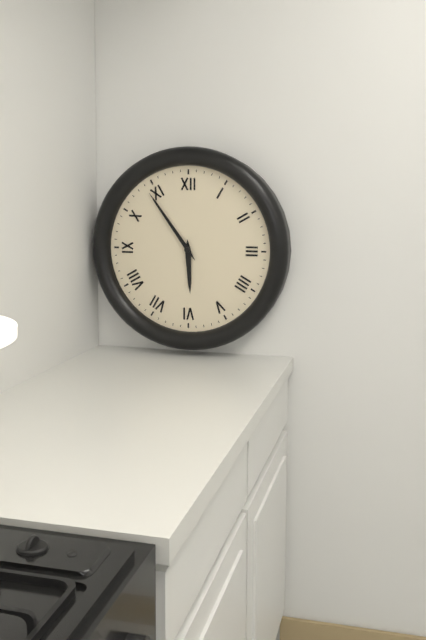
**5:54**
